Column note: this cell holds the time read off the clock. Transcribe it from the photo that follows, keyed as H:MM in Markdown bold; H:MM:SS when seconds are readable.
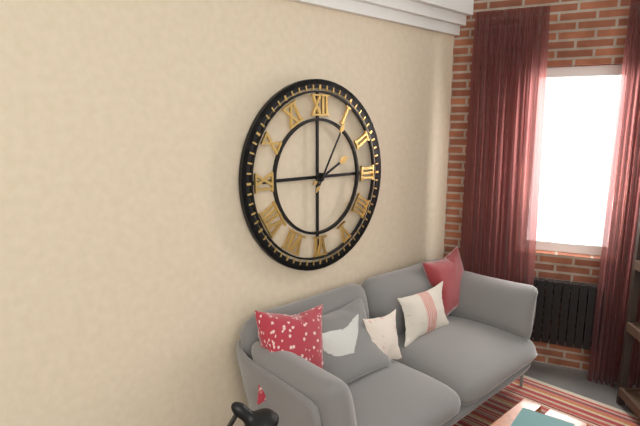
**2:05**
